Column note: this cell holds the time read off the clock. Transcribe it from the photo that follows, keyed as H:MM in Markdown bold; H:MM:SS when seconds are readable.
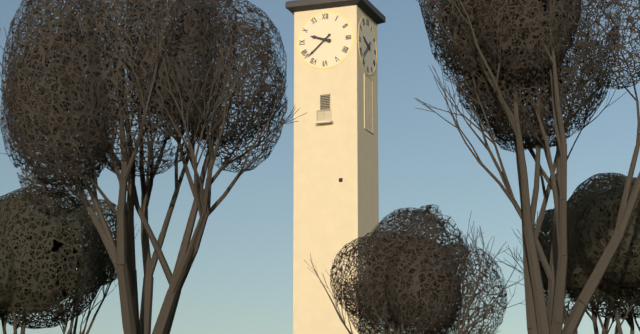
**9:38**
